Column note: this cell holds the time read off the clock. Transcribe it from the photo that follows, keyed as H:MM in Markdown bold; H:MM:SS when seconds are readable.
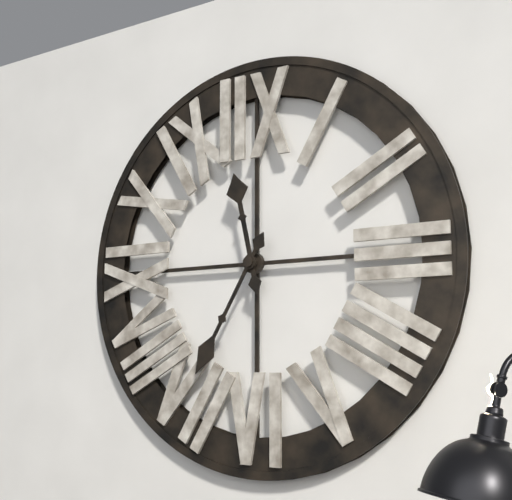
**11:35**
